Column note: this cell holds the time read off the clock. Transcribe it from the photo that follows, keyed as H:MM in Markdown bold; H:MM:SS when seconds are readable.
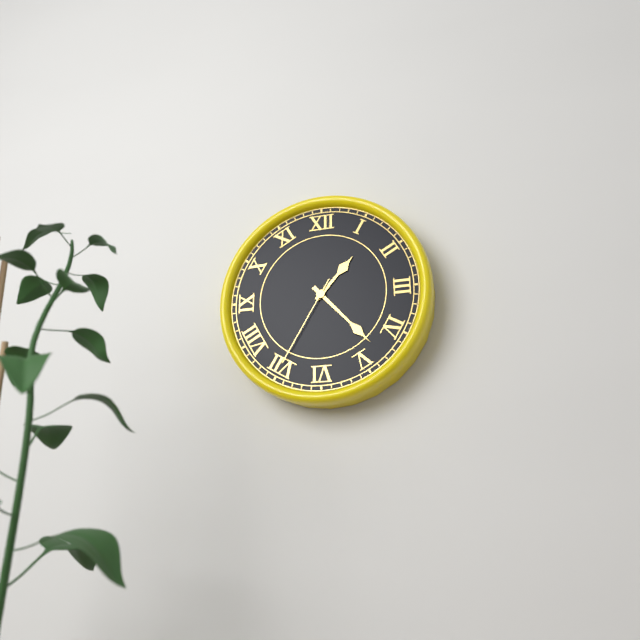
**1:23:35**
